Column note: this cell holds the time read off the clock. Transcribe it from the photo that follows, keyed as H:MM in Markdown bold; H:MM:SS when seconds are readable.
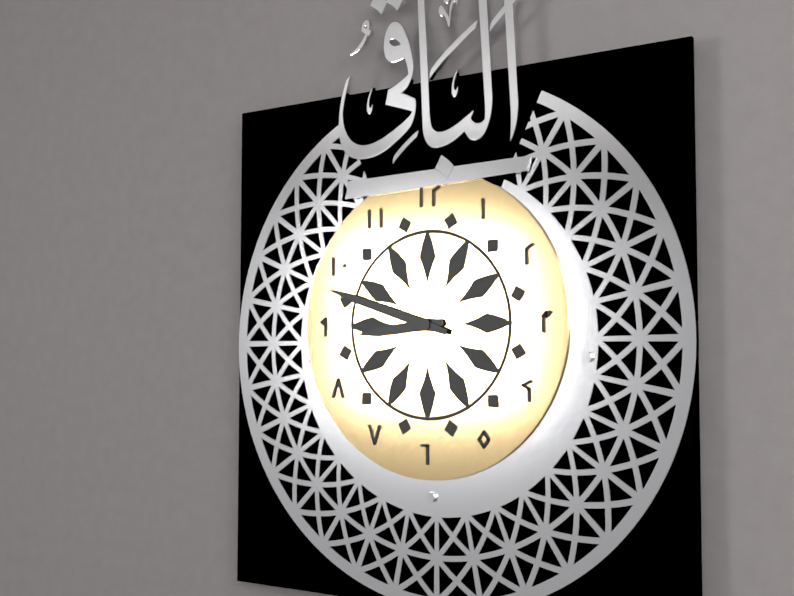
**8:48**
